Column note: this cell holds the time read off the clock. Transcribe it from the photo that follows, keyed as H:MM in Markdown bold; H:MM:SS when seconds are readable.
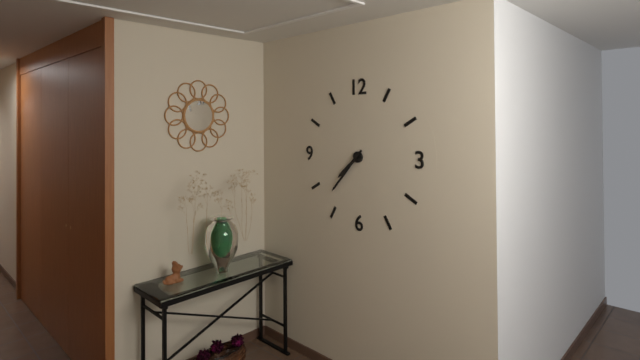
**7:37**
